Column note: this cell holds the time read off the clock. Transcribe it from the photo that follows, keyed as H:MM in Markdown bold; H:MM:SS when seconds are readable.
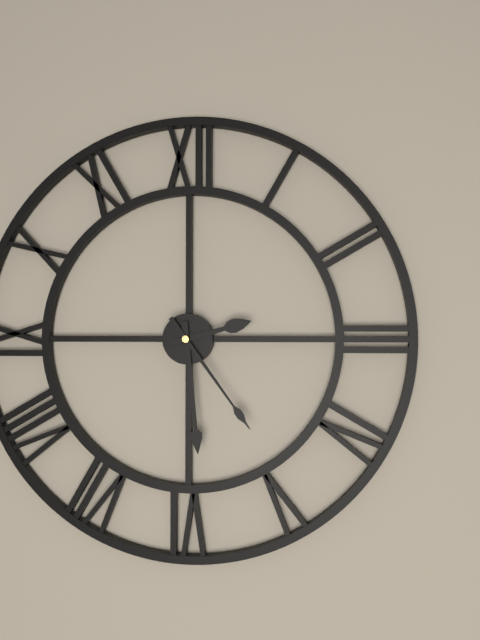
**2:29:24**
